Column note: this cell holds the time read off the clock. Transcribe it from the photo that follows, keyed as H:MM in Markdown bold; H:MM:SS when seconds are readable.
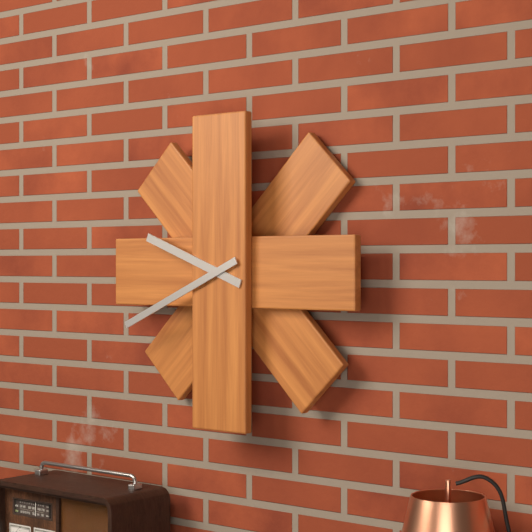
**9:41**
